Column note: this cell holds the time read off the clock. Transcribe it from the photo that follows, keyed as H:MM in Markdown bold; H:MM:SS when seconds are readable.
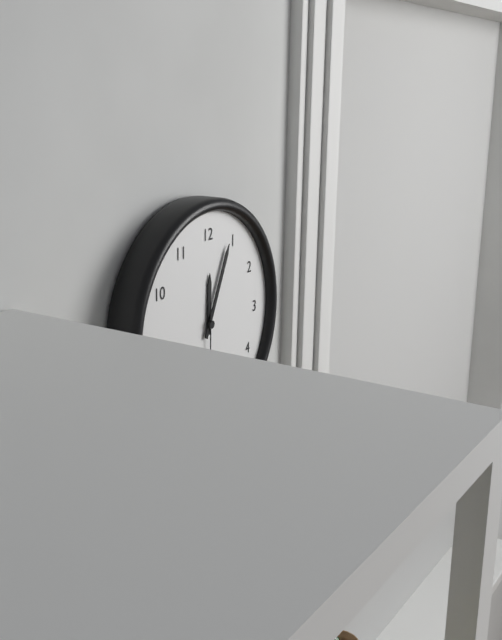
**12:04**
